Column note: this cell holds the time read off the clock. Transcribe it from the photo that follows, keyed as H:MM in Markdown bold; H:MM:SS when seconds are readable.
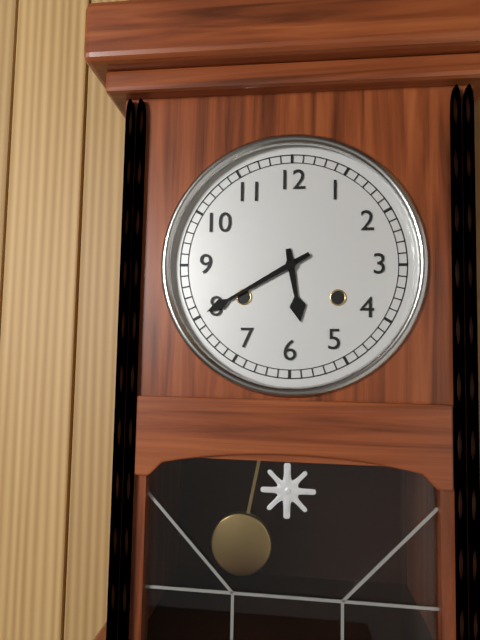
**5:40**
